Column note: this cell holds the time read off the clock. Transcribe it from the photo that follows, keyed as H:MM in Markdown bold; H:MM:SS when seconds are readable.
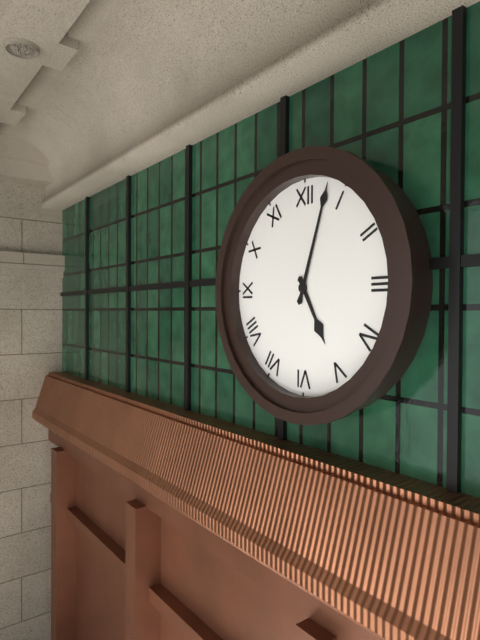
**5:03**
